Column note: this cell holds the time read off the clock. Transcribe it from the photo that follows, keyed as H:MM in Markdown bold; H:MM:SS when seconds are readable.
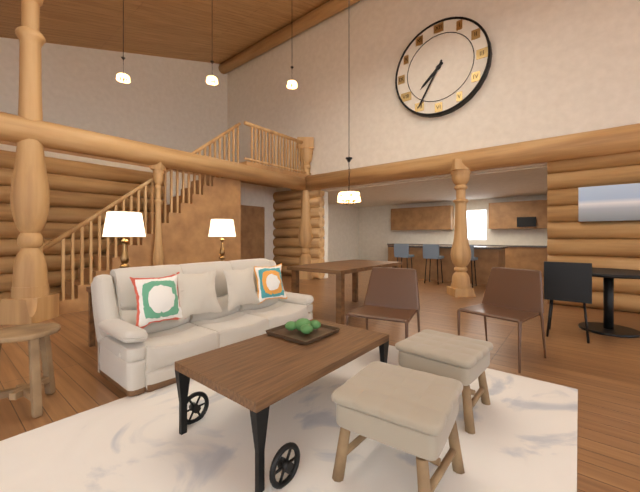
**7:35**
